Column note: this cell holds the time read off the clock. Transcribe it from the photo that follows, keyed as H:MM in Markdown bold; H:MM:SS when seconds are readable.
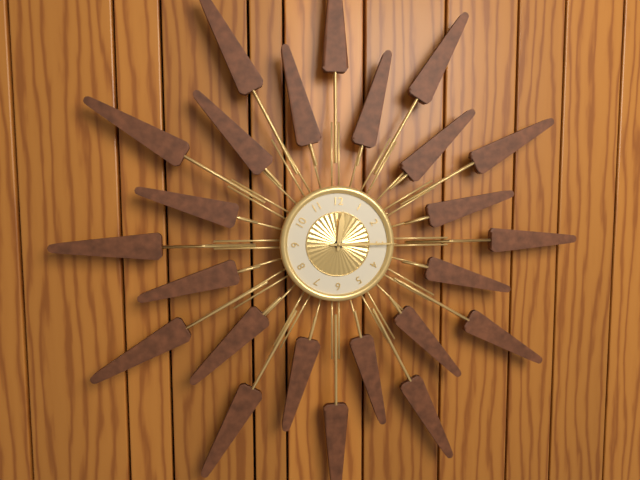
**12:15**
